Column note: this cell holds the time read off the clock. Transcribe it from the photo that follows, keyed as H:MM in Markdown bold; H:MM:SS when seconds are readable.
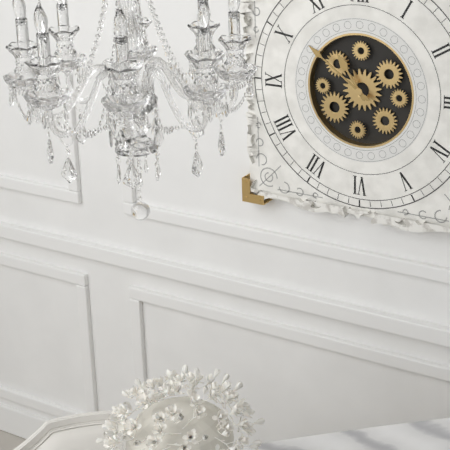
**10:51**
